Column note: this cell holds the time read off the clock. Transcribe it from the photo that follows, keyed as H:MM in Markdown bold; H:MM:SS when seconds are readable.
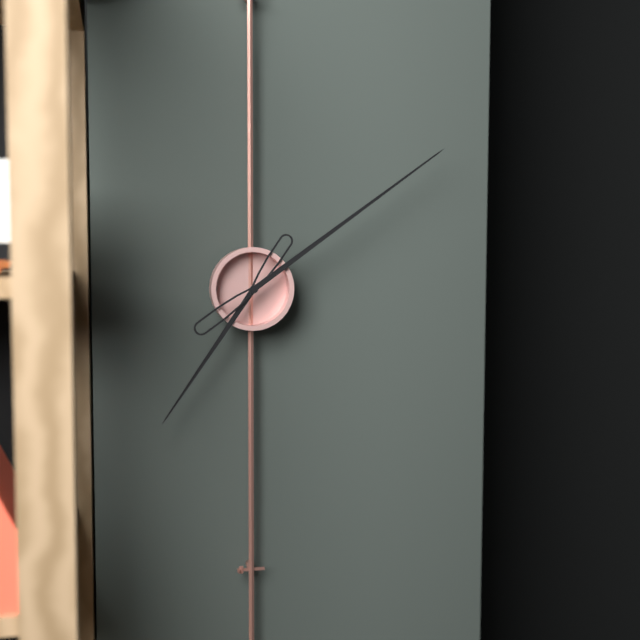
**7:09**
